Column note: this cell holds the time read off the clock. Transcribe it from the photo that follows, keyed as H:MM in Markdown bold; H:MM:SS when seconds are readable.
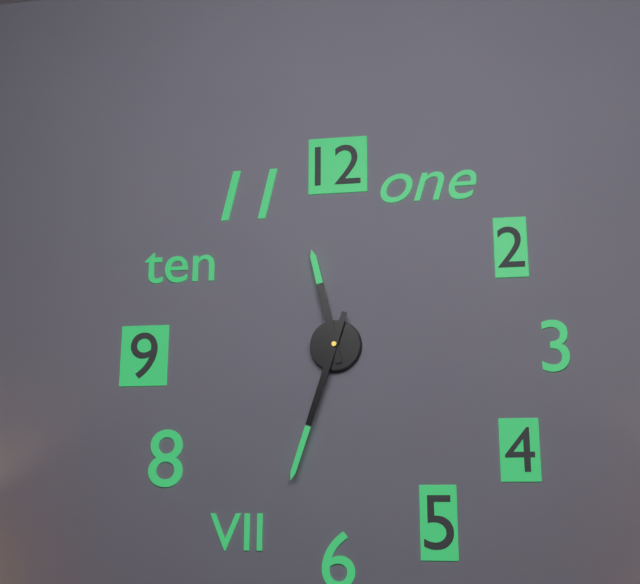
**11:33**
